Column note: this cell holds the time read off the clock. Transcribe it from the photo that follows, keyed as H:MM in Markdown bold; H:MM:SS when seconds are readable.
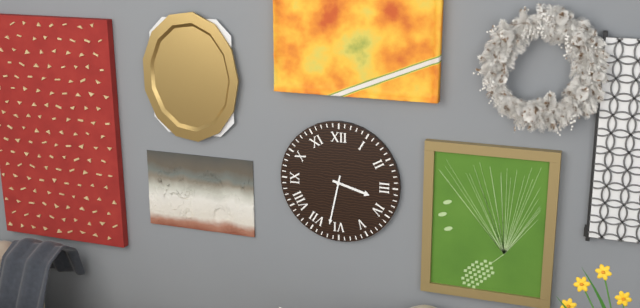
**3:32**
